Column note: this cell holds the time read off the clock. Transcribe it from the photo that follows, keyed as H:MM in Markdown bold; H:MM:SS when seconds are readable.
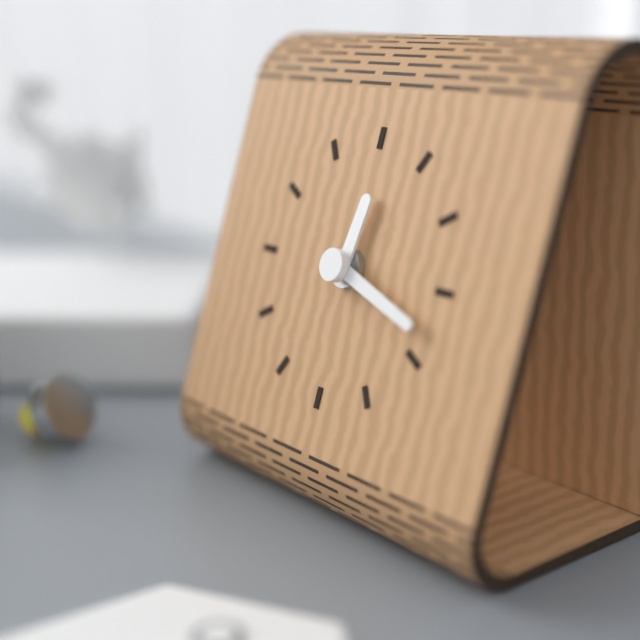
**12:18**
